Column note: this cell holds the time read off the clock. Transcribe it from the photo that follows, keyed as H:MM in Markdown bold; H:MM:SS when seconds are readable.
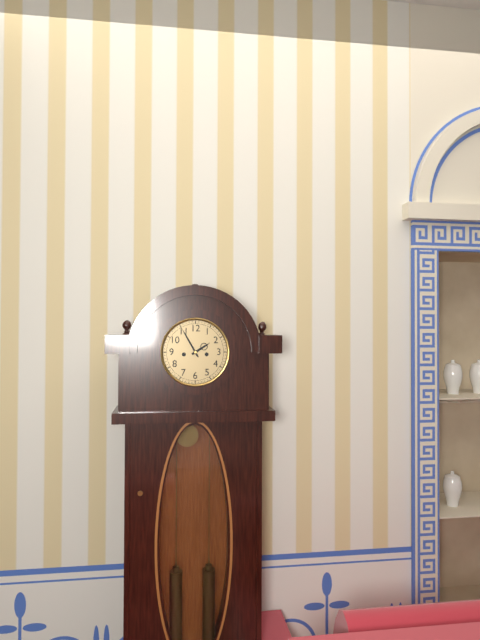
**1:55**
